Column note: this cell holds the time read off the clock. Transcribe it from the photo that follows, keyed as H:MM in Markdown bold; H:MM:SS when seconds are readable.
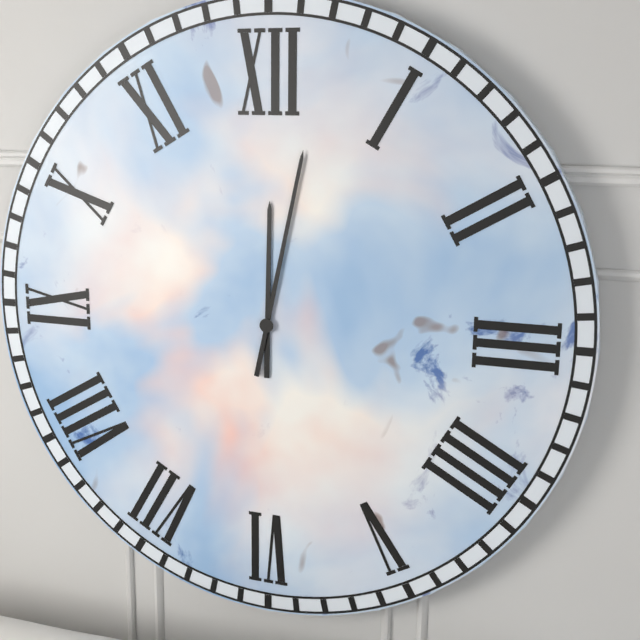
**12:02**
